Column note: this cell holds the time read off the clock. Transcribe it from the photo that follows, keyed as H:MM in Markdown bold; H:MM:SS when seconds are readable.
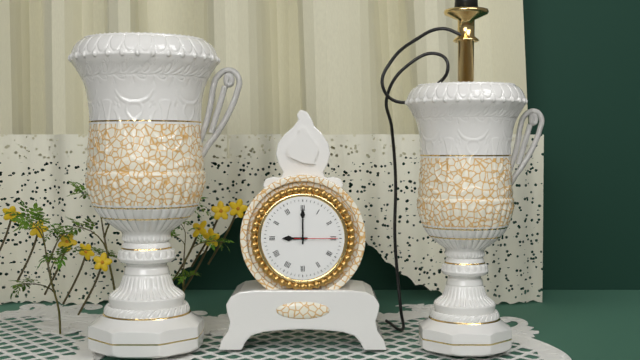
**9:00**
